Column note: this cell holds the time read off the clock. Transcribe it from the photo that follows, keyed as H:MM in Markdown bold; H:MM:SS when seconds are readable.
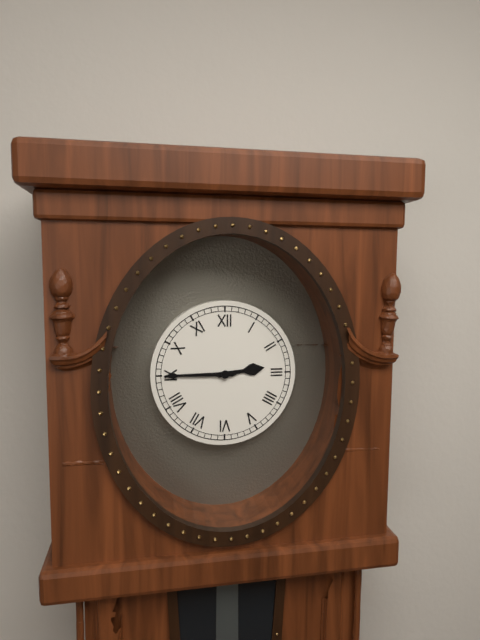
**2:45**
